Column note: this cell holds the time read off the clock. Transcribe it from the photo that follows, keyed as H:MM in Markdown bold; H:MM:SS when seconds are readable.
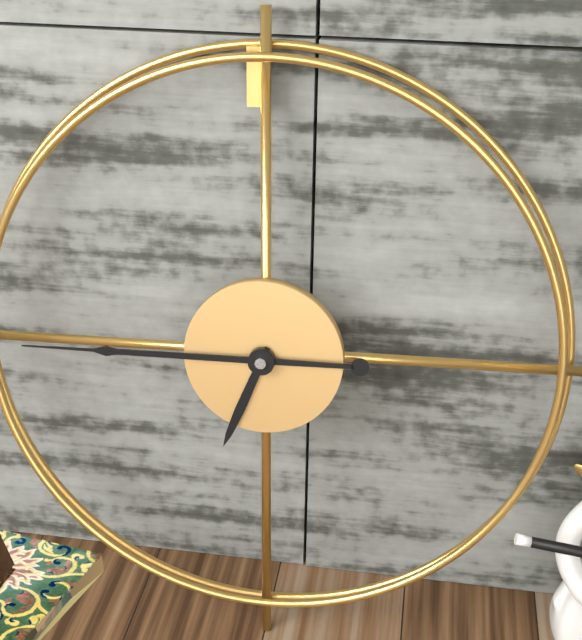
**6:45**
